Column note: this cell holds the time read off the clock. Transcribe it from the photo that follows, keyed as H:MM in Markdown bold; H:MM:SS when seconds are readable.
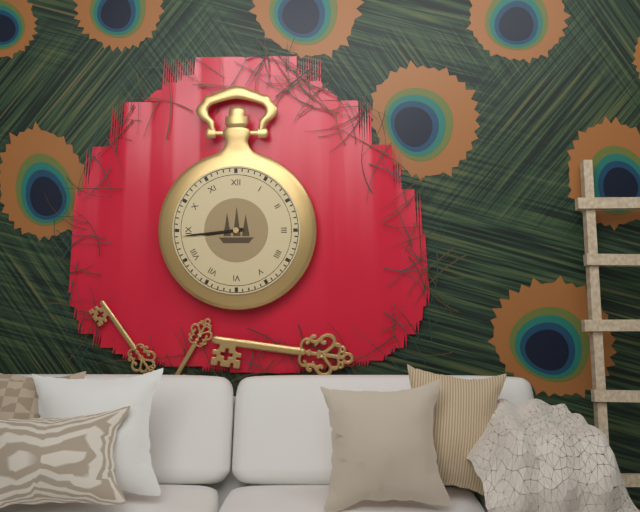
**8:44**
